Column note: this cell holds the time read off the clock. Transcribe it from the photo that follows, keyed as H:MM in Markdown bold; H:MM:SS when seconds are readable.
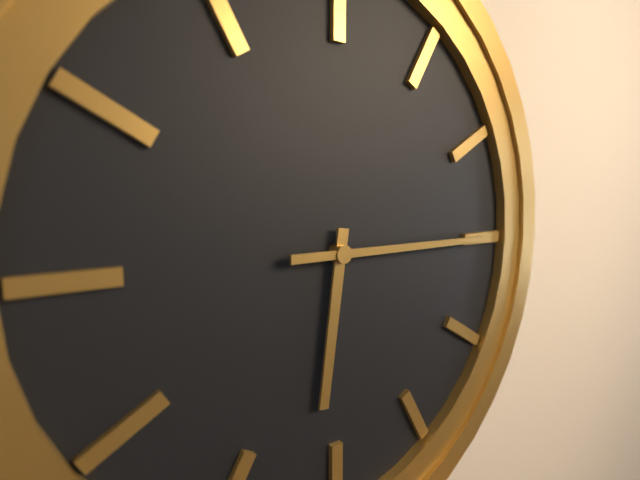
**6:15**
